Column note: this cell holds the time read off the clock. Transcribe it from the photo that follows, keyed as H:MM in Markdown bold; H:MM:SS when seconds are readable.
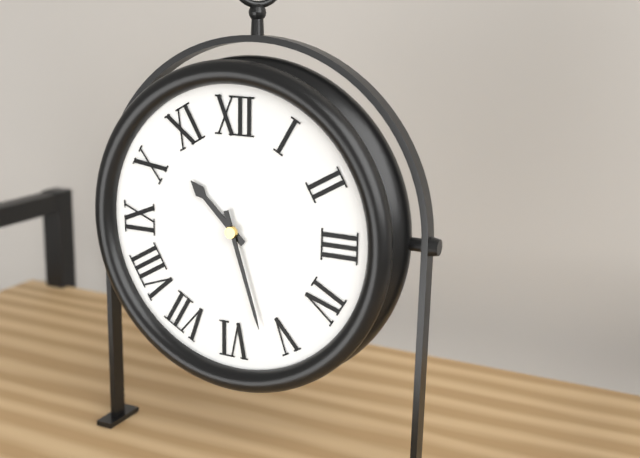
**10:27**
